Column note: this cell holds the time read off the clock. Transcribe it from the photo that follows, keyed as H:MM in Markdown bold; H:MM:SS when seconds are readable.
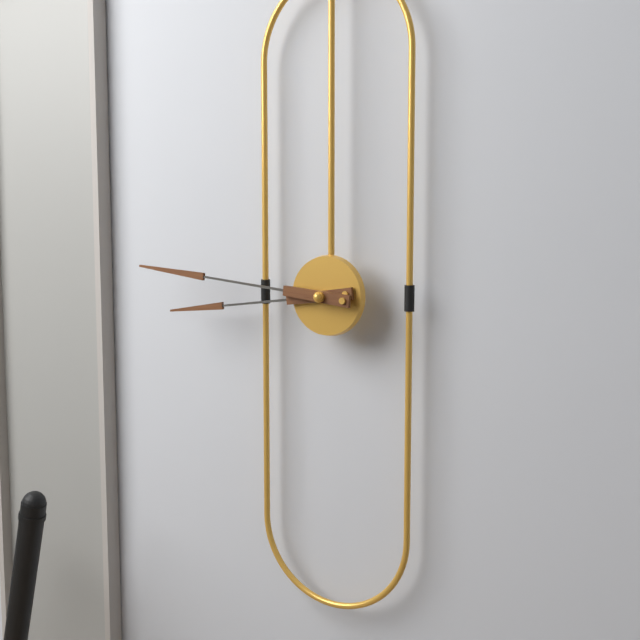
**8:46**
